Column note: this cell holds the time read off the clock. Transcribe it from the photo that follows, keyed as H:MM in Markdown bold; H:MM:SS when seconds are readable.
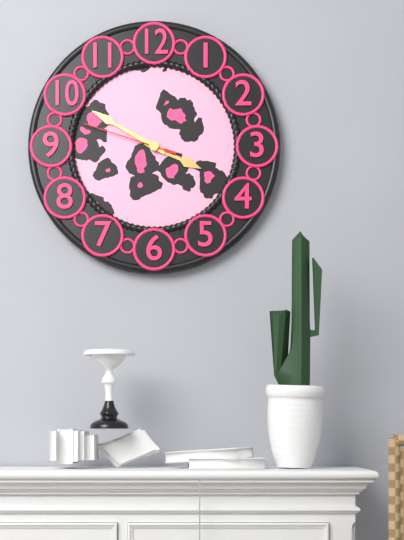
**3:50:48**
